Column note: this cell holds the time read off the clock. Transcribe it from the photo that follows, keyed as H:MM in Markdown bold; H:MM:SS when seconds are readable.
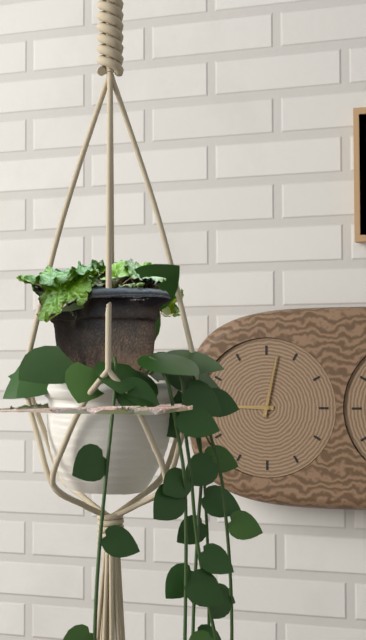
**9:02**
